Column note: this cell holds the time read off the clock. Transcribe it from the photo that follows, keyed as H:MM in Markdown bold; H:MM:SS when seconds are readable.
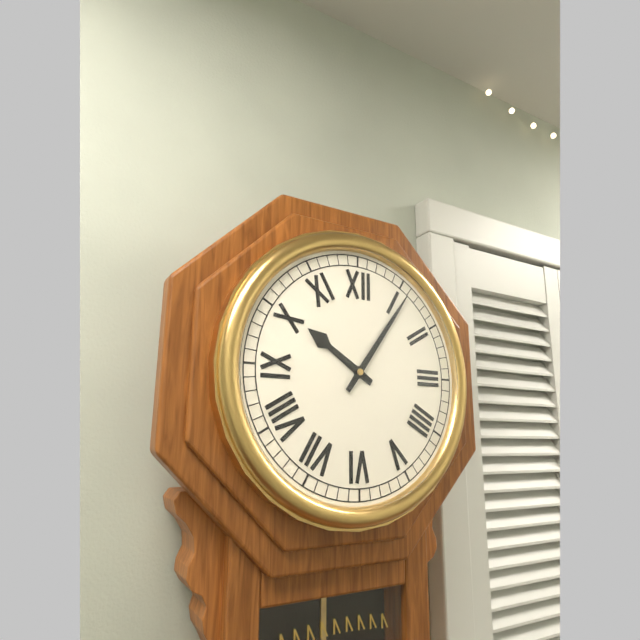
**10:06**
